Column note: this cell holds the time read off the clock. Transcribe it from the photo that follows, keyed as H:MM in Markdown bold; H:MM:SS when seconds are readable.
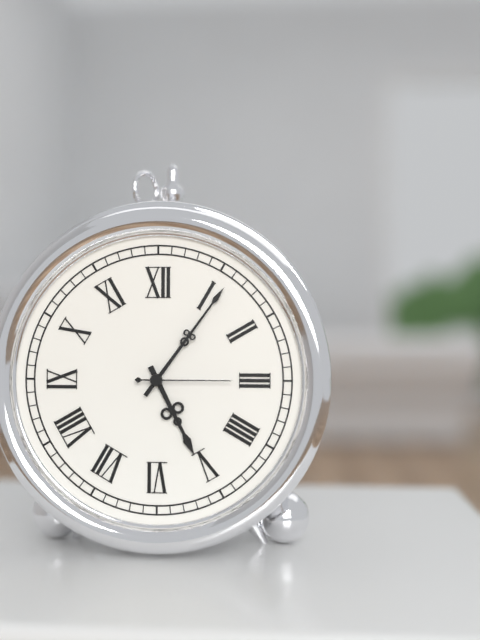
**5:06:15**
